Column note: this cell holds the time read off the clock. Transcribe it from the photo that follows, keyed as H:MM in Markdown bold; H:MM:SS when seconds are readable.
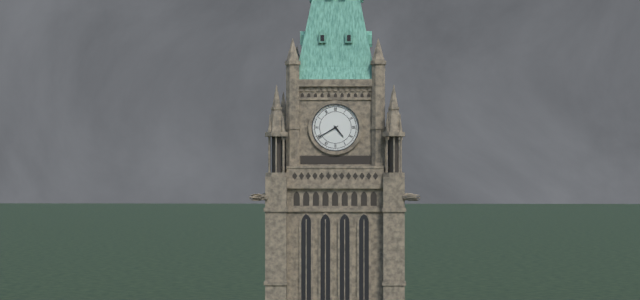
**4:40**
